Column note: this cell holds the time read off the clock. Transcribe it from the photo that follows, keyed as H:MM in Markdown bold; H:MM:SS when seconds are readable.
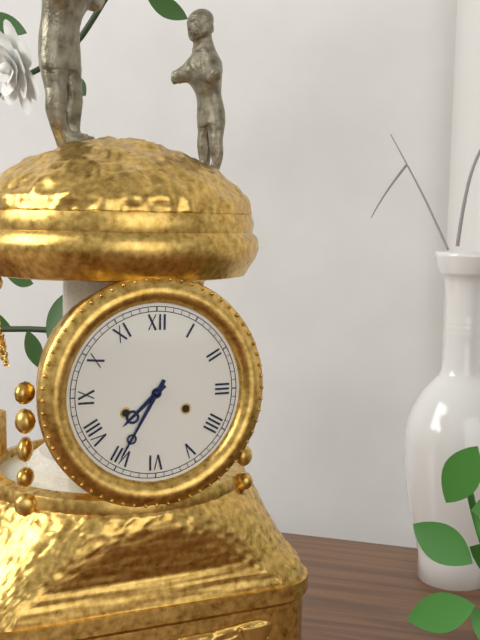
**7:35**
